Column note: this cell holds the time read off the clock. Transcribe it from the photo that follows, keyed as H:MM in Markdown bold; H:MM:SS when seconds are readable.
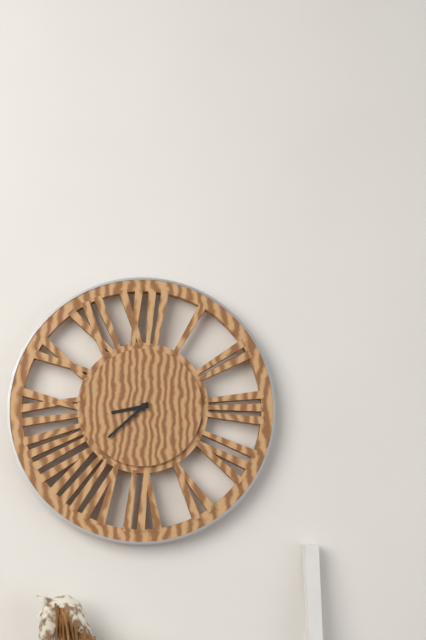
**8:38**
